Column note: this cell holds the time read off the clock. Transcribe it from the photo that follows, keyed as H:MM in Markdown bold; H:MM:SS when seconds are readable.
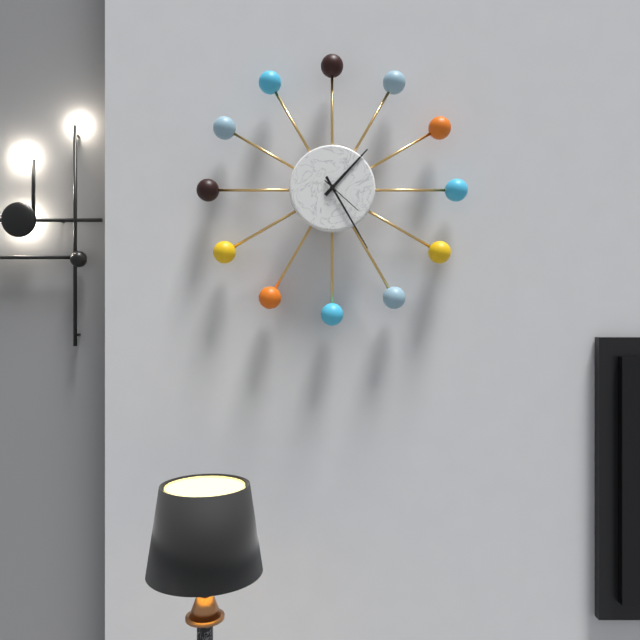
**1:25**
